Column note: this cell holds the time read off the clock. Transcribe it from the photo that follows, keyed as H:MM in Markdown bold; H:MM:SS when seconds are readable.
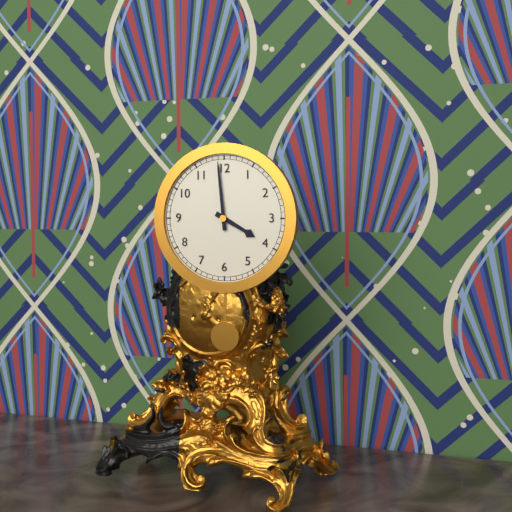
**3:59**
